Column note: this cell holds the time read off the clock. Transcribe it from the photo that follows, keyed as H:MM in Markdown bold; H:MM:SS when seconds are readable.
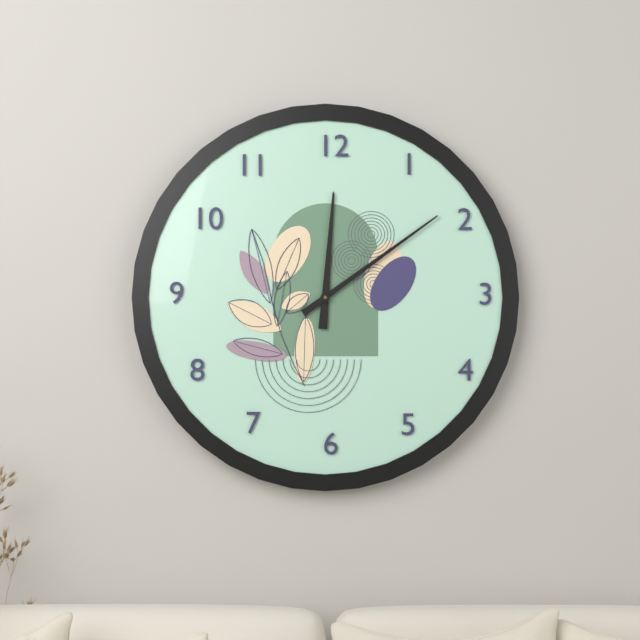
**12:09**
